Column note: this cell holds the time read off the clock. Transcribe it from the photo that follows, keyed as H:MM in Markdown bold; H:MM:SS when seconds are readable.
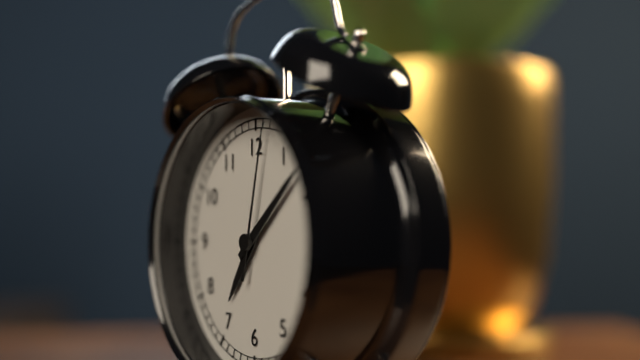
**7:08:02**
